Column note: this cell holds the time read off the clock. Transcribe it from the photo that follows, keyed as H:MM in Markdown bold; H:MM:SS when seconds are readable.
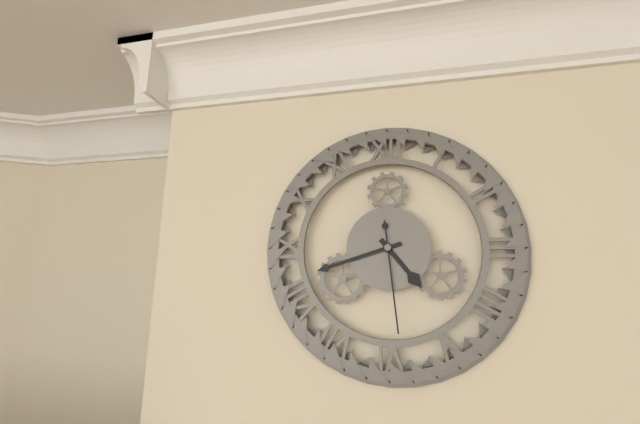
**4:42:29**
